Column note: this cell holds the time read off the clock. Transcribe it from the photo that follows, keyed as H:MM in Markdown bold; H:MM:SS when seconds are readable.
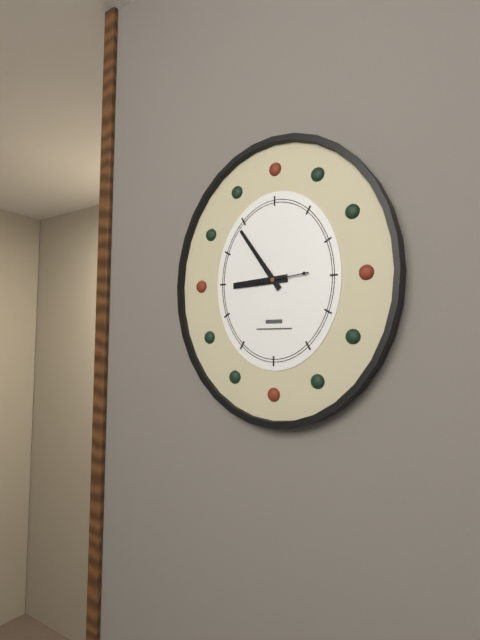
**8:54**
